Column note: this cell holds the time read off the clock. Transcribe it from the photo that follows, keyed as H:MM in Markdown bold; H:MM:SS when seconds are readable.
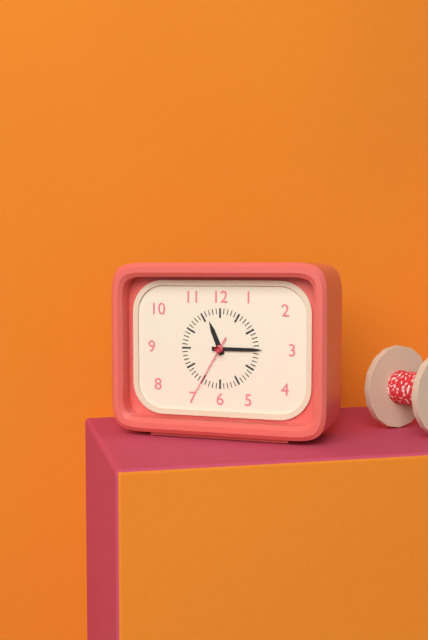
**11:15:35**
